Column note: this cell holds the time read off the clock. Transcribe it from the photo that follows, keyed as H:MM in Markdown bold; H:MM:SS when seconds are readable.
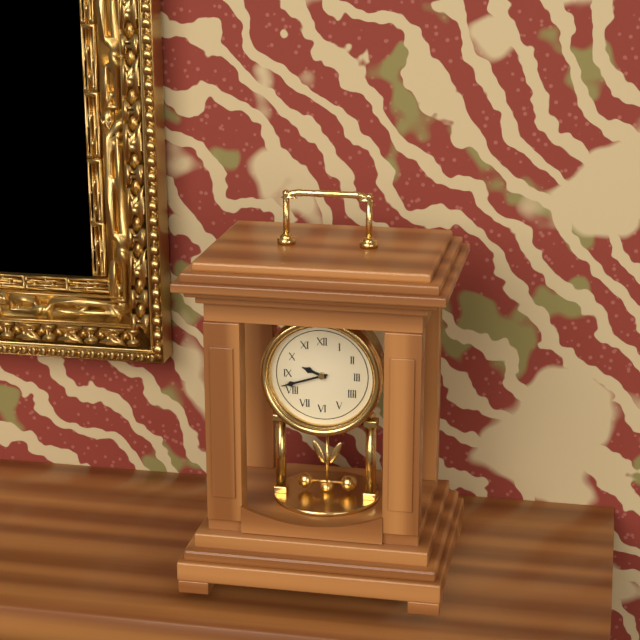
**9:42**
